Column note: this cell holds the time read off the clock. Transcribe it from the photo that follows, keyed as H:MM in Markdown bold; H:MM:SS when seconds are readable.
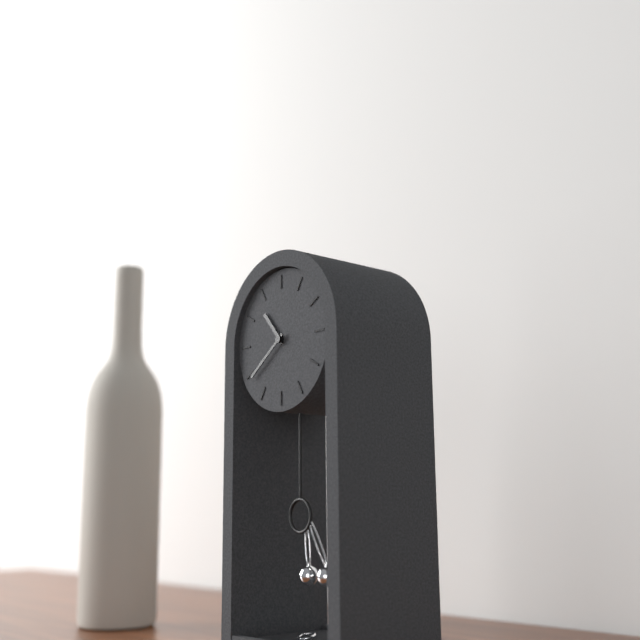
**10:39**
